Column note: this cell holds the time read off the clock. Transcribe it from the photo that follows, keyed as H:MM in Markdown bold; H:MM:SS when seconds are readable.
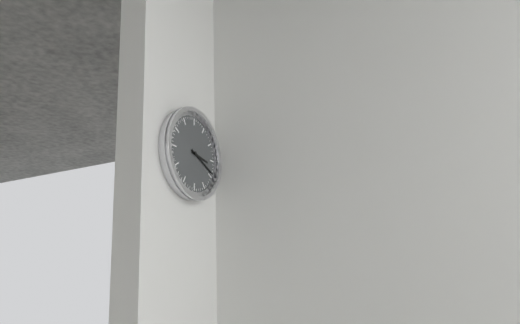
**3:19**
